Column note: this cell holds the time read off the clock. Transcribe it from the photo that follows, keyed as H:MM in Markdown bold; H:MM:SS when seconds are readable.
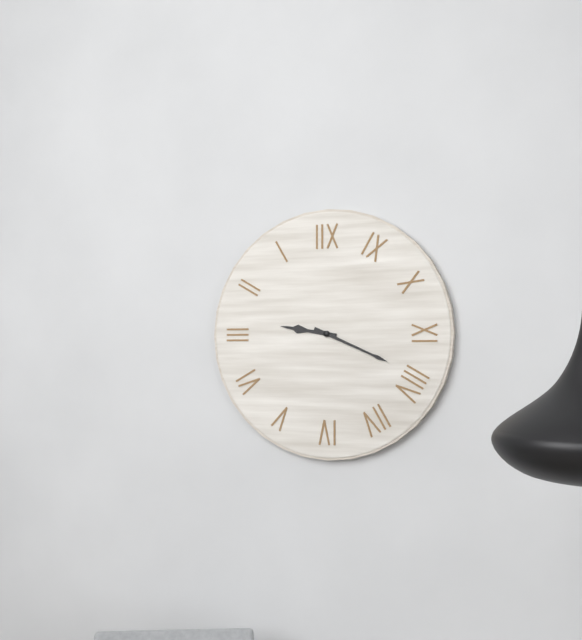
**9:19**
